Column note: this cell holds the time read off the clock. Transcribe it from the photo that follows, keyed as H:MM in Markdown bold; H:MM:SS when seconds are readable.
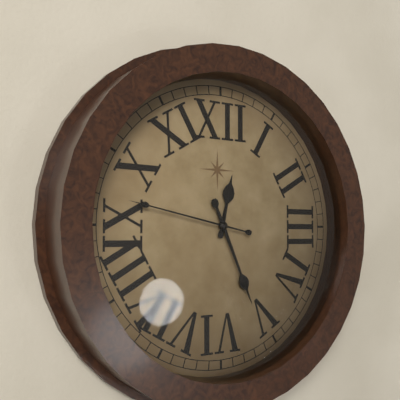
**12:26:47**
